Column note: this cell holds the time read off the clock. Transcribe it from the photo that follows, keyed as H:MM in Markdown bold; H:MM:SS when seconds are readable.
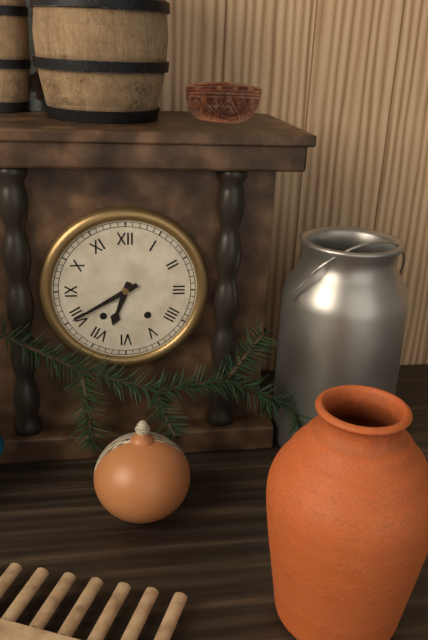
**6:40**
